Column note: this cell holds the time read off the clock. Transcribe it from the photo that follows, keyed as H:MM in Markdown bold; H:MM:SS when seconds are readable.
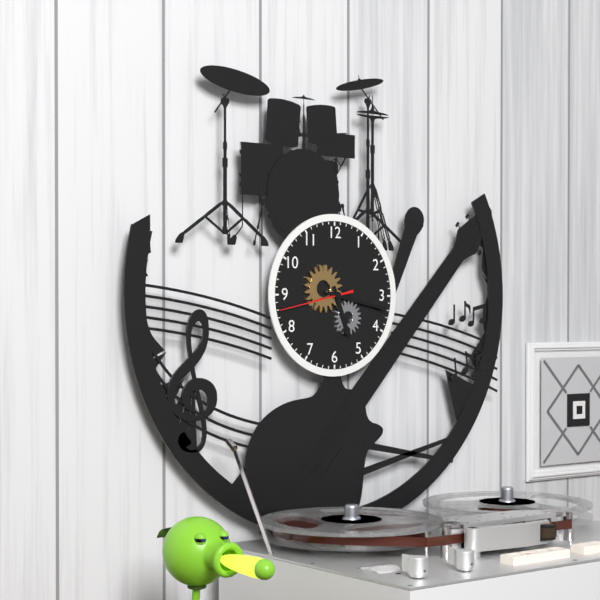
**5:17:43**
